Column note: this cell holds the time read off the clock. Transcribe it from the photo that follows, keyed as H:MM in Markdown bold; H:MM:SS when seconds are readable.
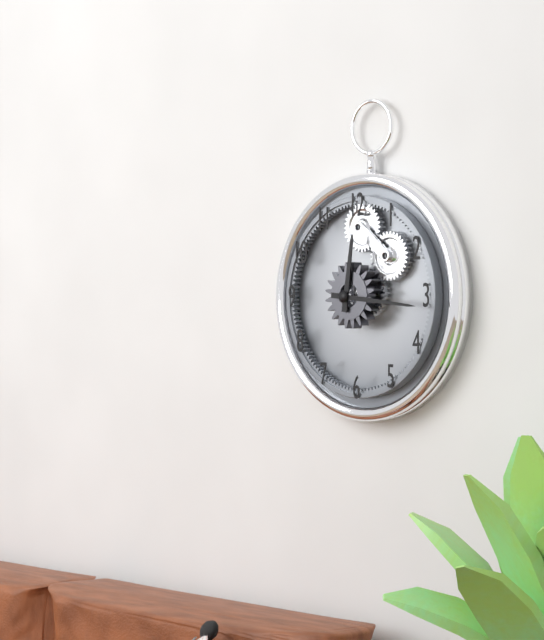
**12:16**
